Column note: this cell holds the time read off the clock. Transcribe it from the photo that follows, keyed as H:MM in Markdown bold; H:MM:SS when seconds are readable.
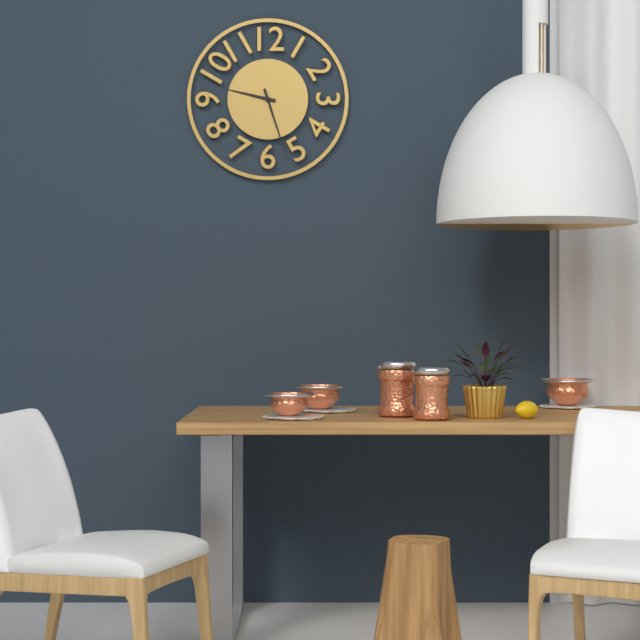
**9:27**
